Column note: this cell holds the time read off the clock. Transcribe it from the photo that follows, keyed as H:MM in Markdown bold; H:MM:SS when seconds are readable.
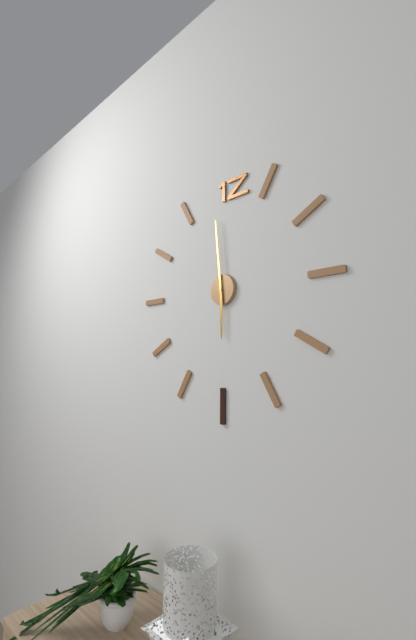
**5:59**
